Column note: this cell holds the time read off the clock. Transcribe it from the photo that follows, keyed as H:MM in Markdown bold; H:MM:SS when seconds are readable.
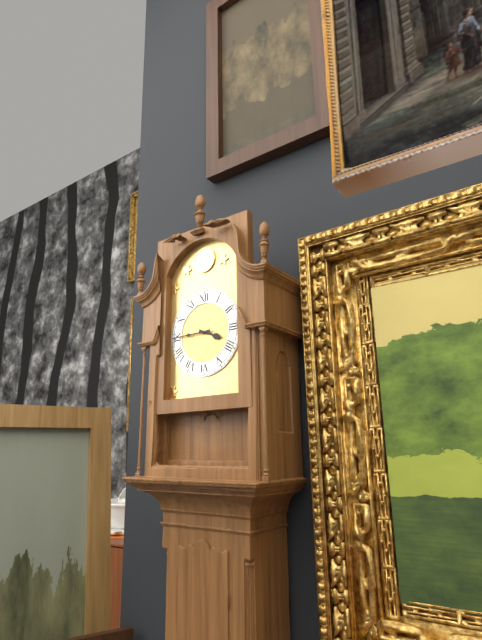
**3:45**
